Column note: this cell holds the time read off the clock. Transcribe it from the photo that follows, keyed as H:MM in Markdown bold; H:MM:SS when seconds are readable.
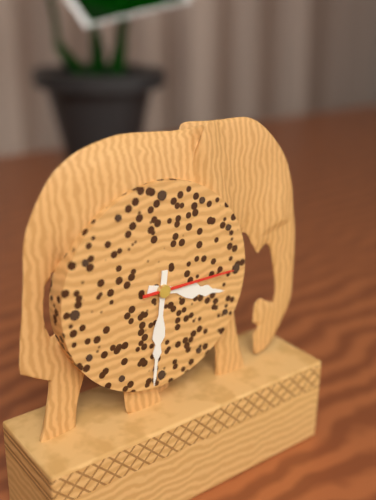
**3:31:15**
